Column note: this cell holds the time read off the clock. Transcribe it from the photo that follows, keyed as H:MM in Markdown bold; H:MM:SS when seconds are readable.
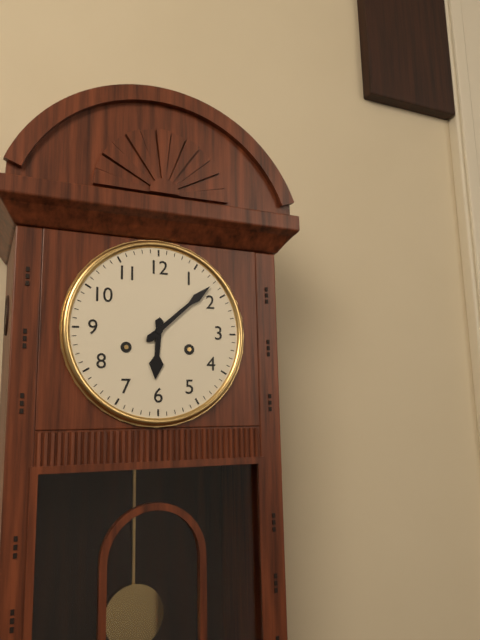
**6:08**
